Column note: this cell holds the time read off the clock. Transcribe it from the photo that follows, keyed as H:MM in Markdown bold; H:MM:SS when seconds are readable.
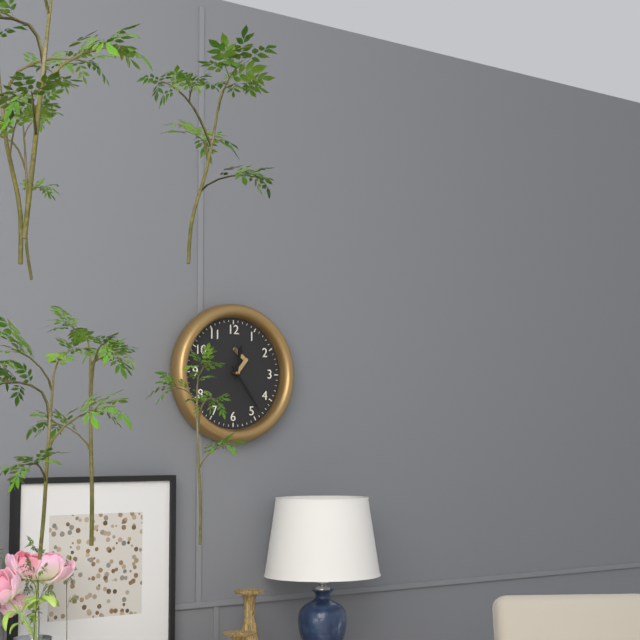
**12:24**
